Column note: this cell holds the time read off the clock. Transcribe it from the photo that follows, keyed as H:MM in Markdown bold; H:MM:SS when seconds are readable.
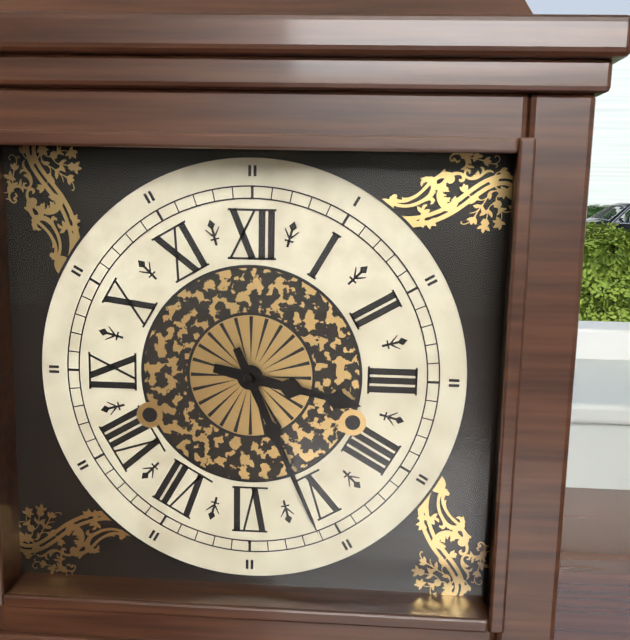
**3:26**
